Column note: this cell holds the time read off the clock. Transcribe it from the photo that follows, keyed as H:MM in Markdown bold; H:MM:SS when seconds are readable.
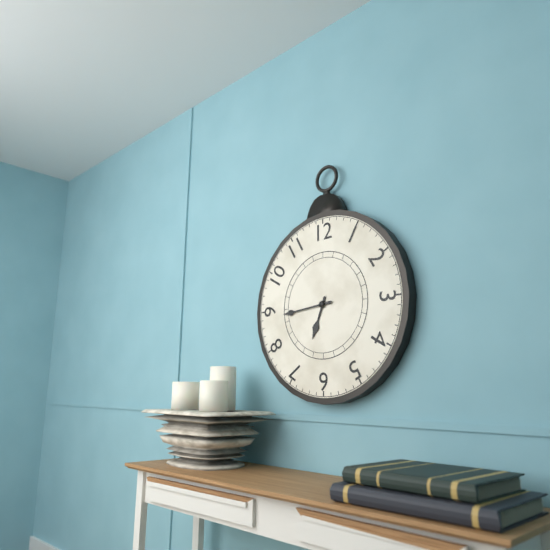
**6:44**
